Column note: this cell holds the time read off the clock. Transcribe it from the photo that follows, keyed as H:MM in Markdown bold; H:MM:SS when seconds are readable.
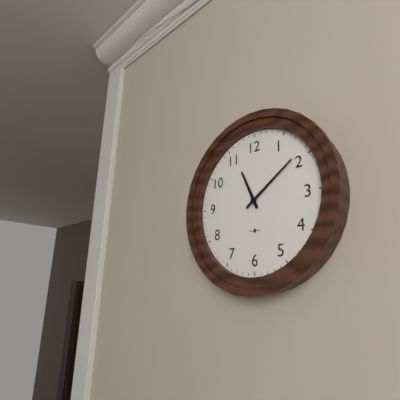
**11:09**
